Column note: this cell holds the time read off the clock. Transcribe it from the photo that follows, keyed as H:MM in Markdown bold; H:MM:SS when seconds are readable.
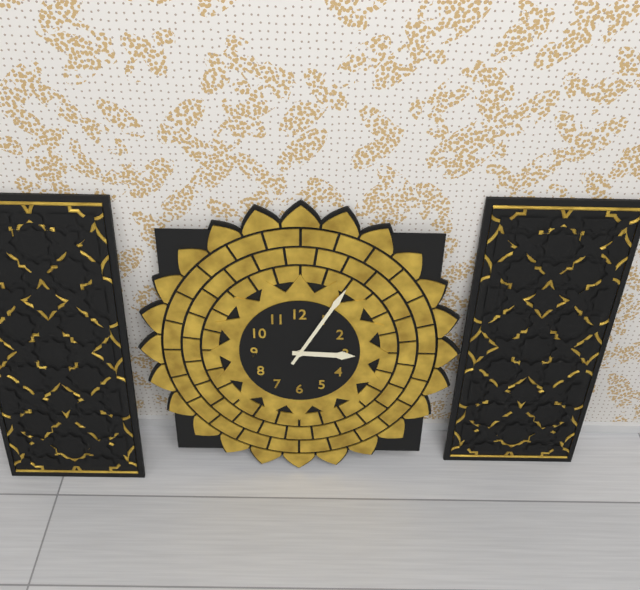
**3:05**
